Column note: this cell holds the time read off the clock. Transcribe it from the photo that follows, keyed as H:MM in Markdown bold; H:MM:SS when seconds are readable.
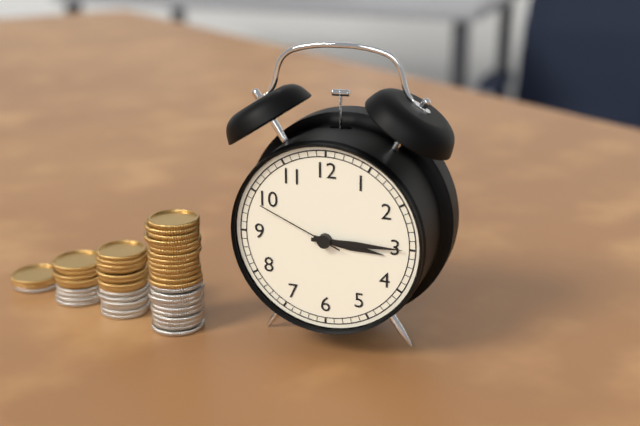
**3:15:49**
